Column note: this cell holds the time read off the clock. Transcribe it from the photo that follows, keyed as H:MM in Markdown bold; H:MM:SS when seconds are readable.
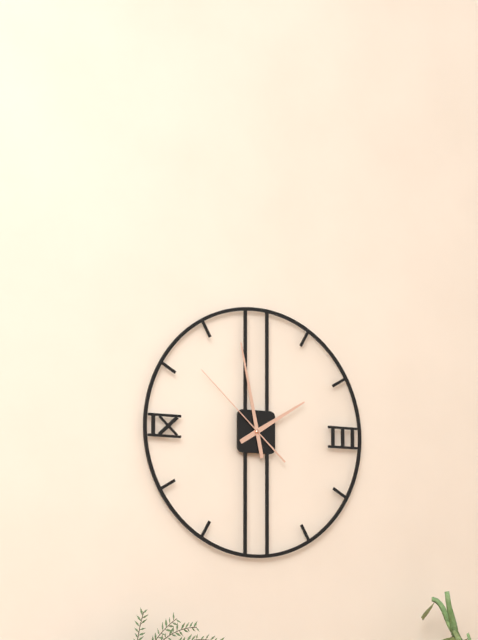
**1:58:52**
